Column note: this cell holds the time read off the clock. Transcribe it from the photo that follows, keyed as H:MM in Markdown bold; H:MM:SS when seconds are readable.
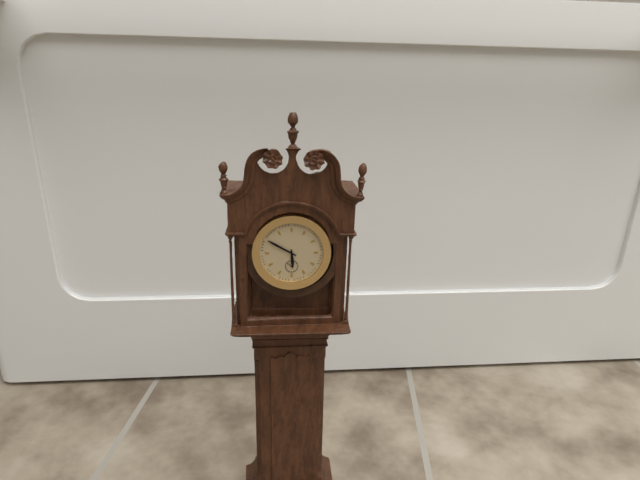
**5:50**
